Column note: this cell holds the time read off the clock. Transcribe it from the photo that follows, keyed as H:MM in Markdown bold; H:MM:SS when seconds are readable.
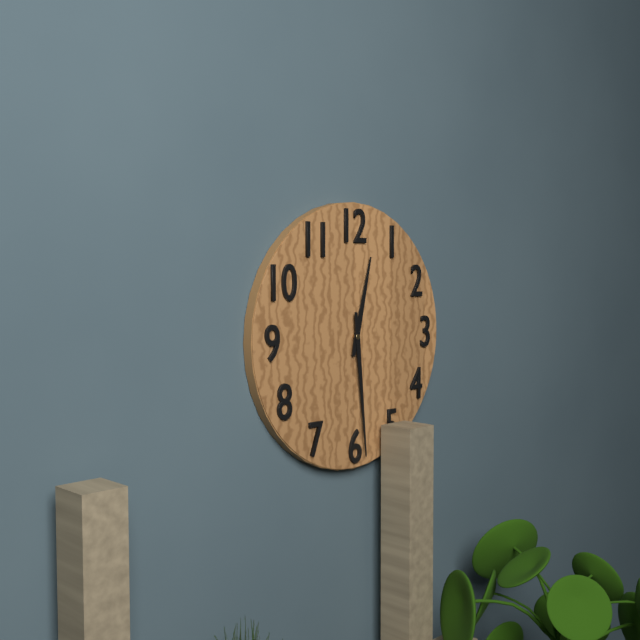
**12:29**
